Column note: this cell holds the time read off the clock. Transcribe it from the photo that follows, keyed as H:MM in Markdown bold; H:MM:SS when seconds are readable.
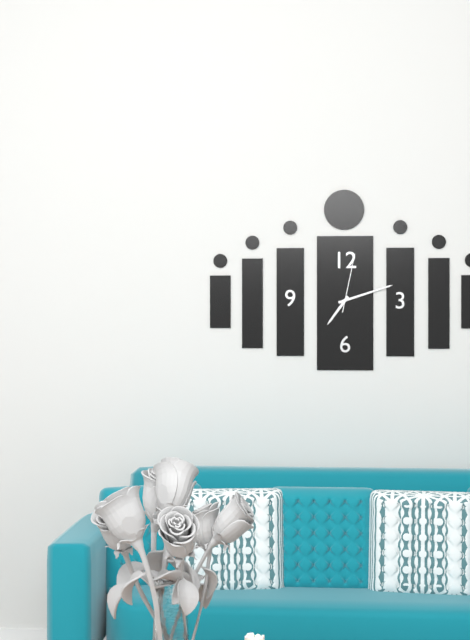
**7:12:02**
